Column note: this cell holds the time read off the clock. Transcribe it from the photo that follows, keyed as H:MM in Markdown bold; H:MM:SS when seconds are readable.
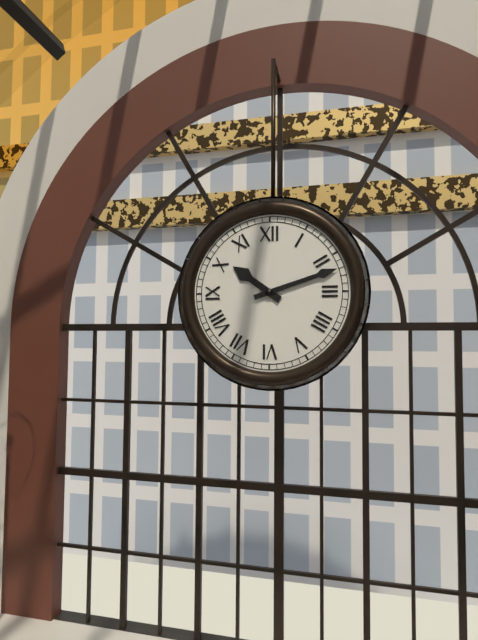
**10:12**
